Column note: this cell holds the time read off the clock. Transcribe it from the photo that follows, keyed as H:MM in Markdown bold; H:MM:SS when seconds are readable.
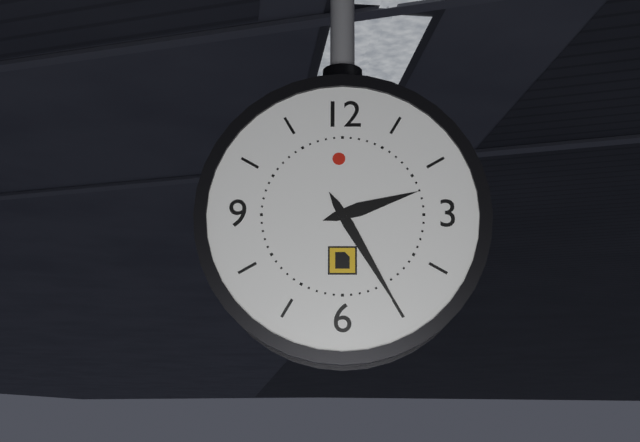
**2:25**
